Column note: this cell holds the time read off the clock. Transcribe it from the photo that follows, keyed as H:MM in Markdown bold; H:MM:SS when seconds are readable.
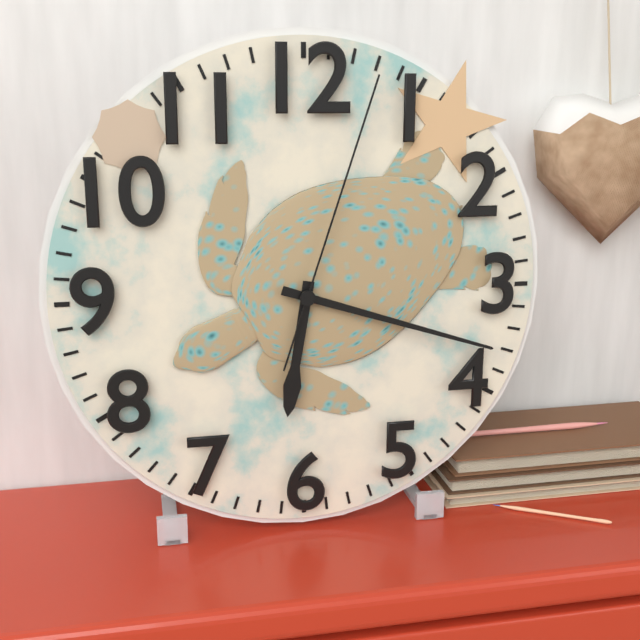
**6:18:03**
